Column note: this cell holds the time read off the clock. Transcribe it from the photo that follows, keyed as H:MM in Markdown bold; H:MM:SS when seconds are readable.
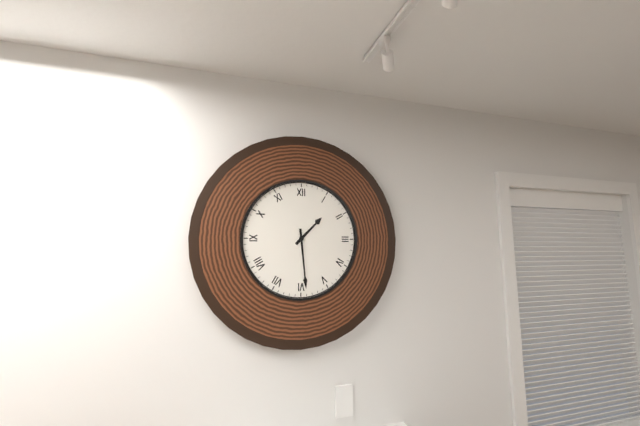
**1:29**
